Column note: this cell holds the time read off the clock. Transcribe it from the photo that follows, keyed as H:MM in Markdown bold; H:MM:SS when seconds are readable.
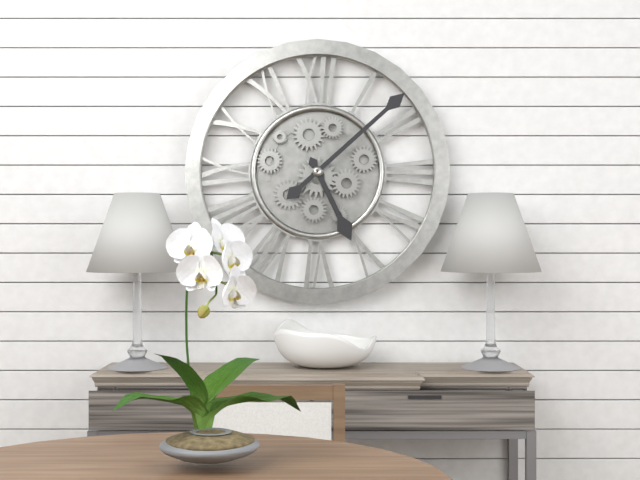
**5:08**
